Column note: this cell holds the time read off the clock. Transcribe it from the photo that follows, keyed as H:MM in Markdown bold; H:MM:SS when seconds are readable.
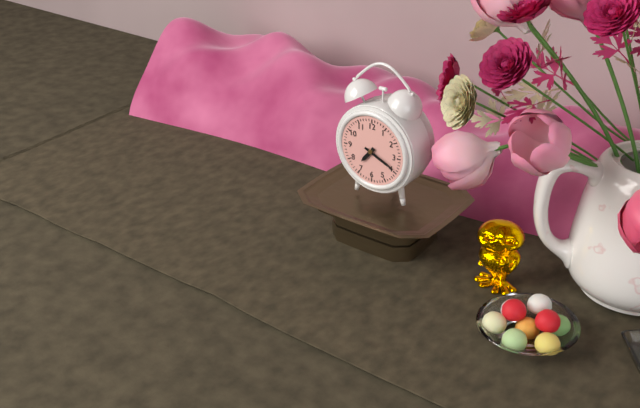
**7:19**
